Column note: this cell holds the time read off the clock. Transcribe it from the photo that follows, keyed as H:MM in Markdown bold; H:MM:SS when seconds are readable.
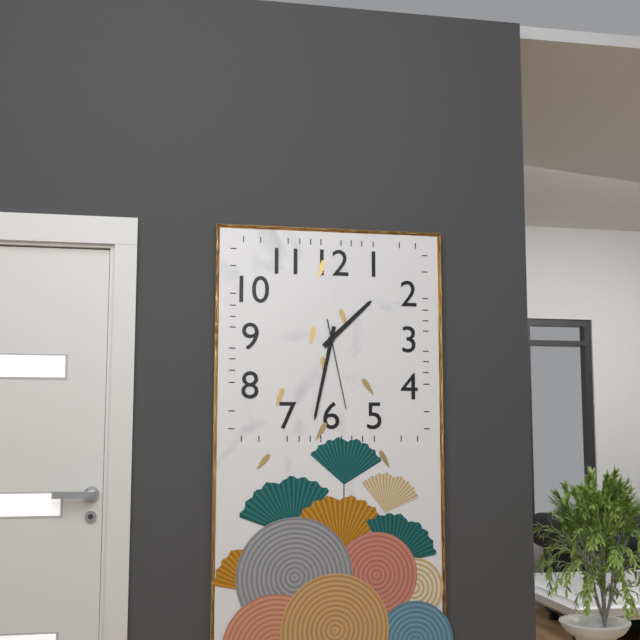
**1:32:28**
